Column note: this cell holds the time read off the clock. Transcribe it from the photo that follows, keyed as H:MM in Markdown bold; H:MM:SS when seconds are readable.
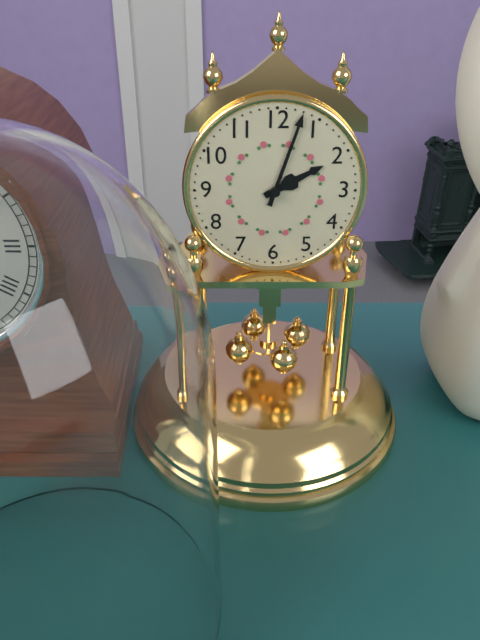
**2:03**
